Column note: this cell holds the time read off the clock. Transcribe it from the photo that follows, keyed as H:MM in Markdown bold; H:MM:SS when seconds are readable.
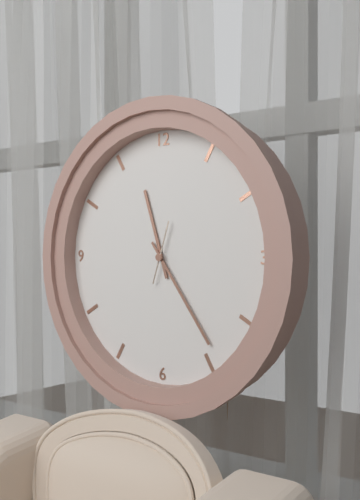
**11:24**
